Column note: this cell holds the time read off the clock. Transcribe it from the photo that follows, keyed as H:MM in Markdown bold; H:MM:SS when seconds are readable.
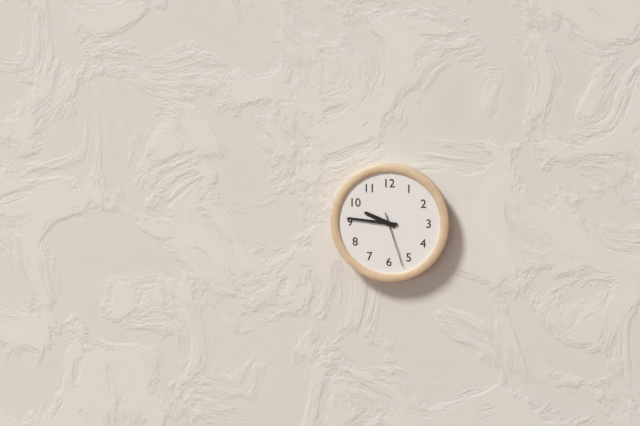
**9:46:27**
